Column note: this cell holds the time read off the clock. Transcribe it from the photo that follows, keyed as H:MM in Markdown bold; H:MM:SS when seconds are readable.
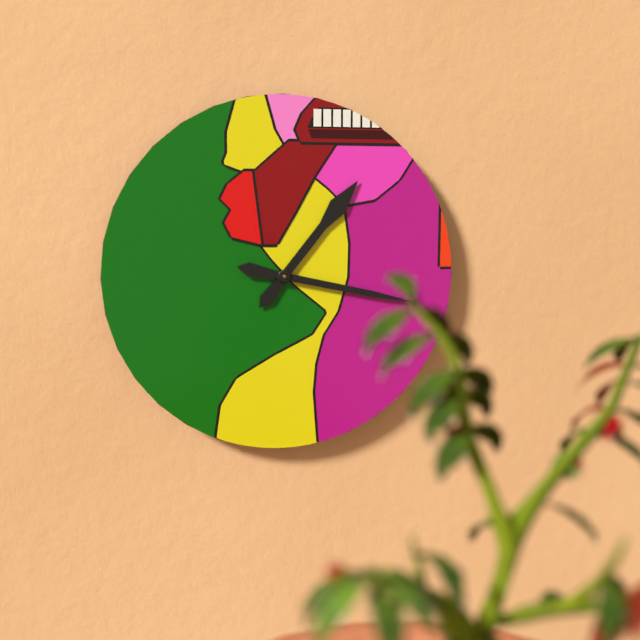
**1:17**
